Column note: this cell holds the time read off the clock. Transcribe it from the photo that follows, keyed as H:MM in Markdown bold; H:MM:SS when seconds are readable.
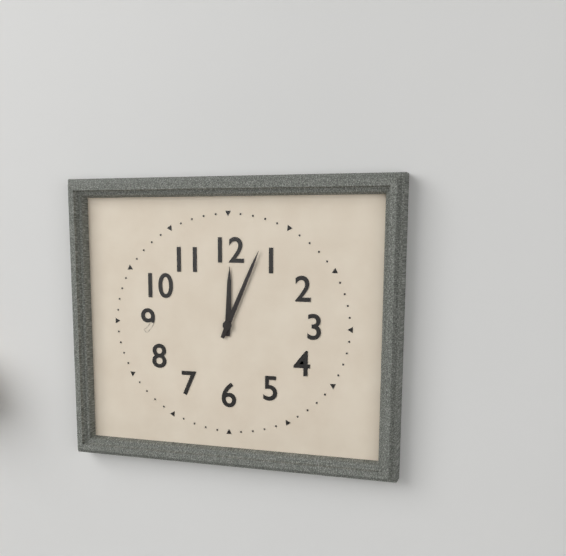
**12:04**
